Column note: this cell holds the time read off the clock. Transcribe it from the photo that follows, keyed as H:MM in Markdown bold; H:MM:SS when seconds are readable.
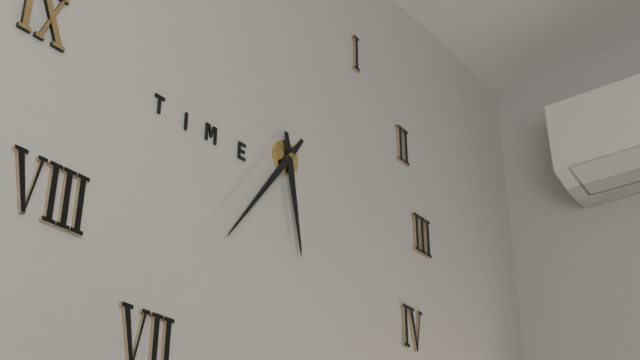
**5:36**
